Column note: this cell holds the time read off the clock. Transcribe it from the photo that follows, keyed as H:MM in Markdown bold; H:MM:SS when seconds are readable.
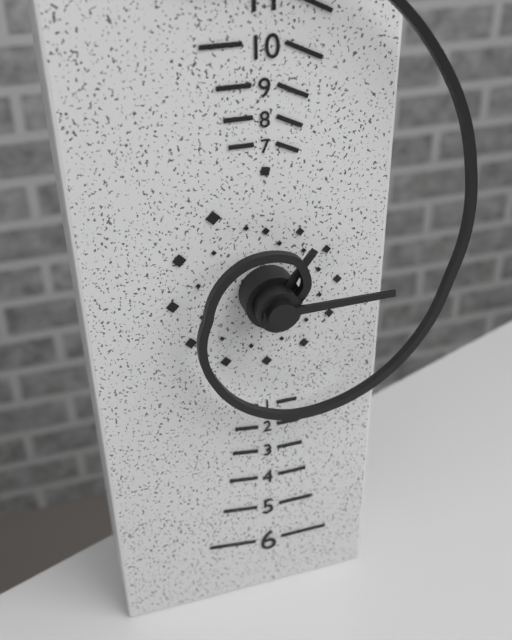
**1:15**
